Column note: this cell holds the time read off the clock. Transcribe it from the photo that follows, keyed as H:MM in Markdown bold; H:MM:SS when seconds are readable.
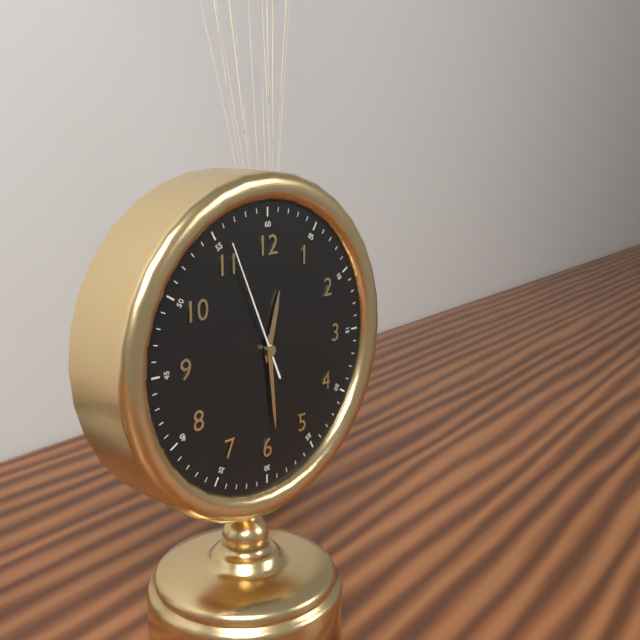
**12:29:56**
